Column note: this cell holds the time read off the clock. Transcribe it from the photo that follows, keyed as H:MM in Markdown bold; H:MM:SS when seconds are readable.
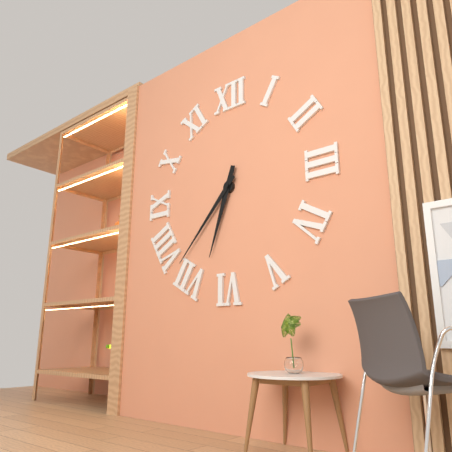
**6:37**
